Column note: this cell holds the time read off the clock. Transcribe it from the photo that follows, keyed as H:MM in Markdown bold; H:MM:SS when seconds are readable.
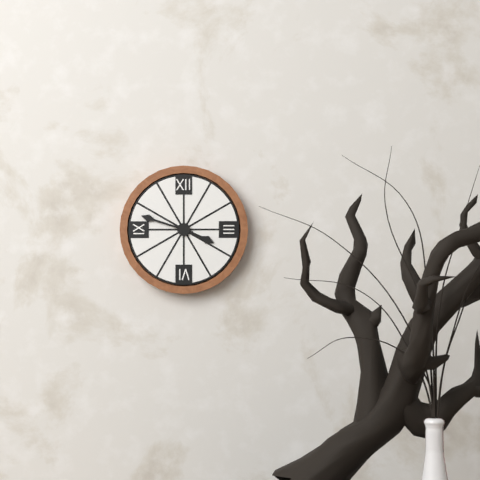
**3:48**
